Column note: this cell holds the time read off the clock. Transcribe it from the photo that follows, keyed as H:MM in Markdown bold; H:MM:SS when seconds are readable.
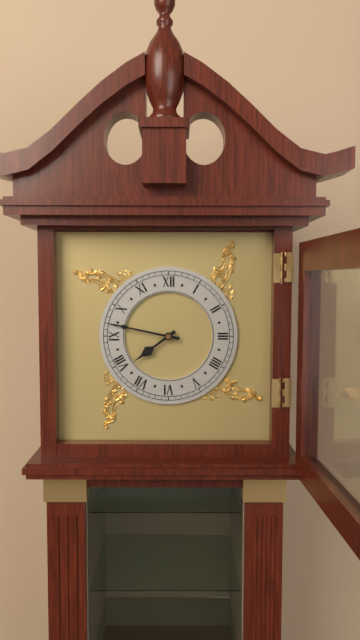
**7:47**
